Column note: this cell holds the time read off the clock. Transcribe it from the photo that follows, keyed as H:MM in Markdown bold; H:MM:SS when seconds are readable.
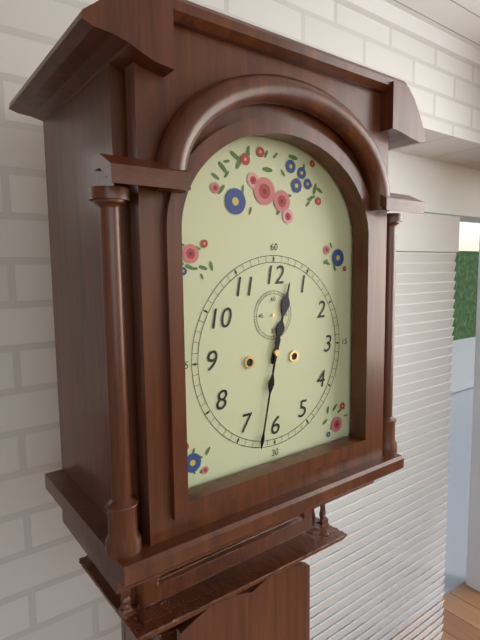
**12:32**
